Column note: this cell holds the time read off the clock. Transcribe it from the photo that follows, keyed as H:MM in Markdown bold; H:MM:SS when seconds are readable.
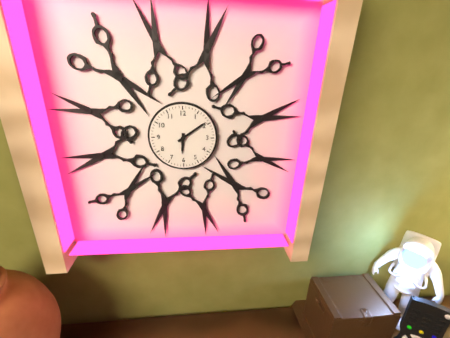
**6:09**
